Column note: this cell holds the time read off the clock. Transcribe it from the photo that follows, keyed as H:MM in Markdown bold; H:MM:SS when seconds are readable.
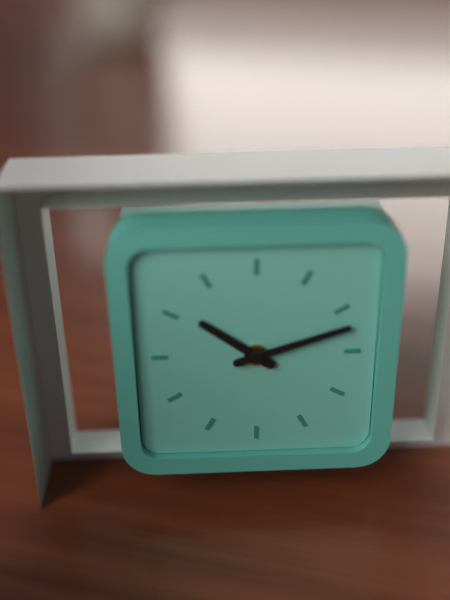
**10:12**
